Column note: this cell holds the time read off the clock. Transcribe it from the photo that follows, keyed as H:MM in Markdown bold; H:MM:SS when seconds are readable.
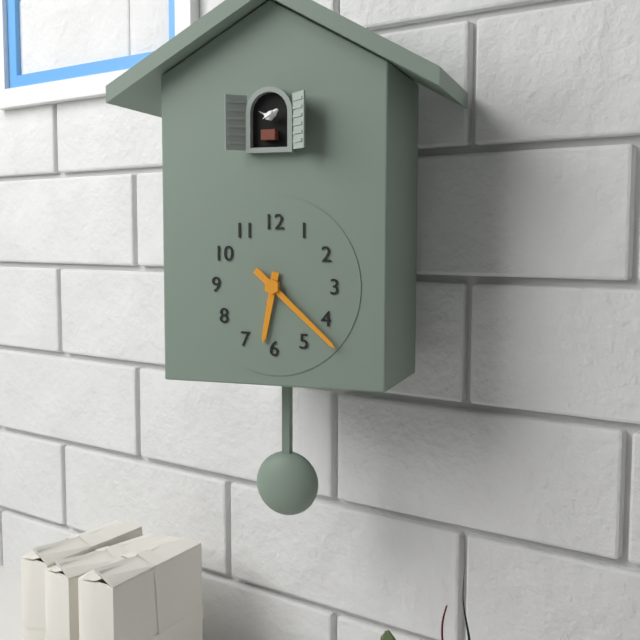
**6:22**
